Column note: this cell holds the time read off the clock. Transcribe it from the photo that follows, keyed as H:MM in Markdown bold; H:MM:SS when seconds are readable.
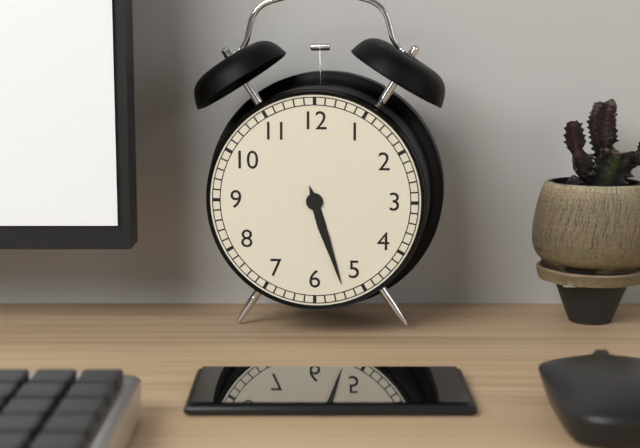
**5:27**
